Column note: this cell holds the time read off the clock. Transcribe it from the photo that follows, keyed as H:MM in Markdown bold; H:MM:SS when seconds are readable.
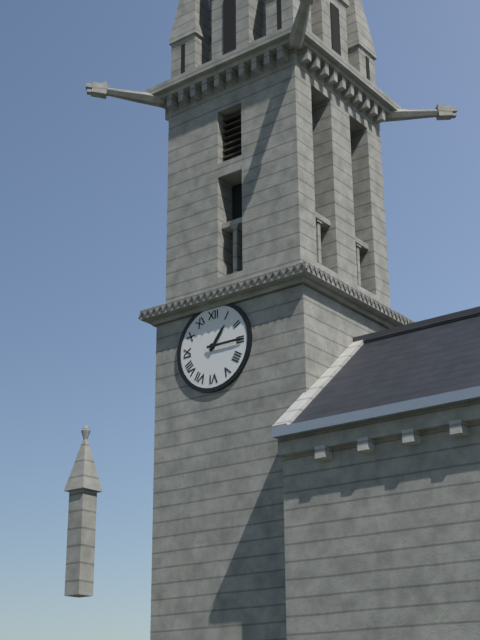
**1:15**
